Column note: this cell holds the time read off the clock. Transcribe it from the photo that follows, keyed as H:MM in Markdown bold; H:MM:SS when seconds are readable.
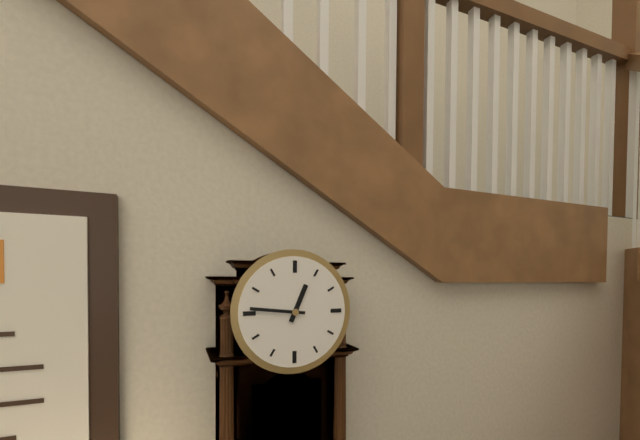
**12:46**
